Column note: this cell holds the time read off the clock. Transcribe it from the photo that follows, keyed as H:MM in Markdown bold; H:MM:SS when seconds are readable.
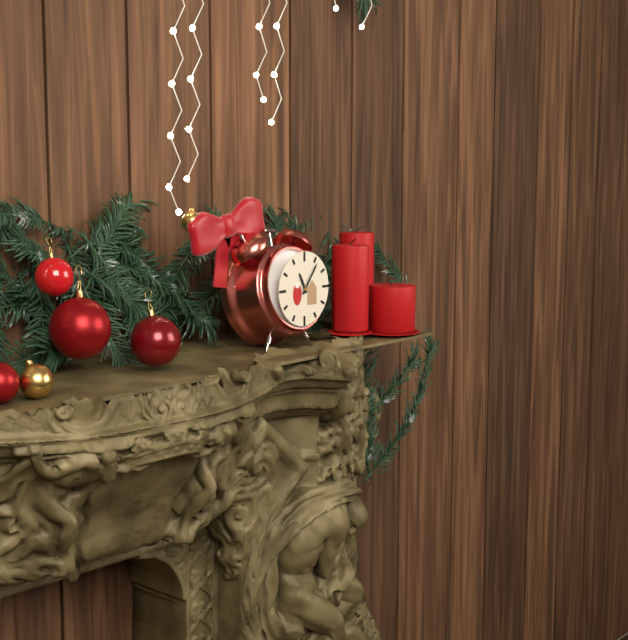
**11:06**
